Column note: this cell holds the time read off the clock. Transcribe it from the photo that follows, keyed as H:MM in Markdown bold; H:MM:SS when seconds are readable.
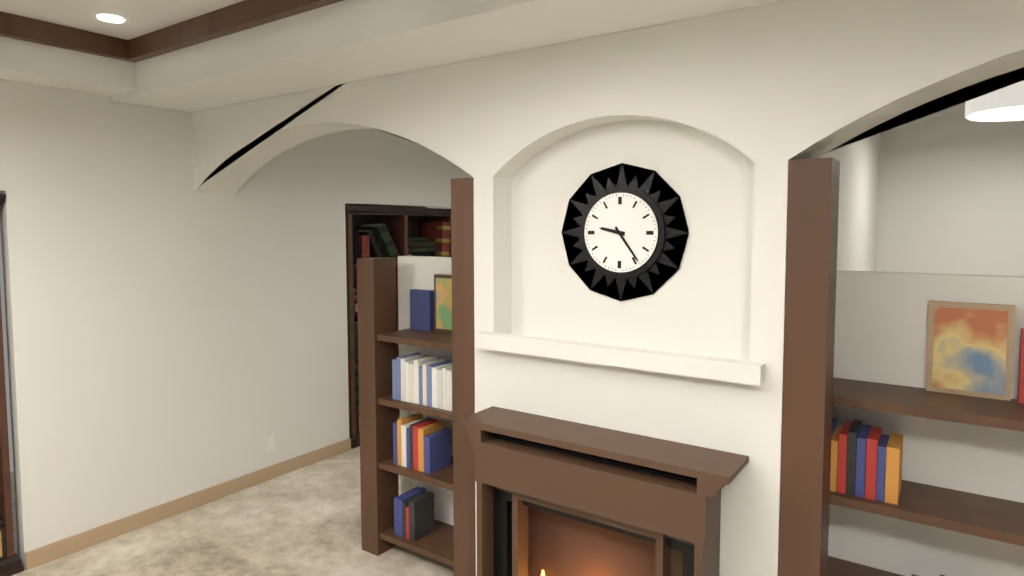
**9:24**
